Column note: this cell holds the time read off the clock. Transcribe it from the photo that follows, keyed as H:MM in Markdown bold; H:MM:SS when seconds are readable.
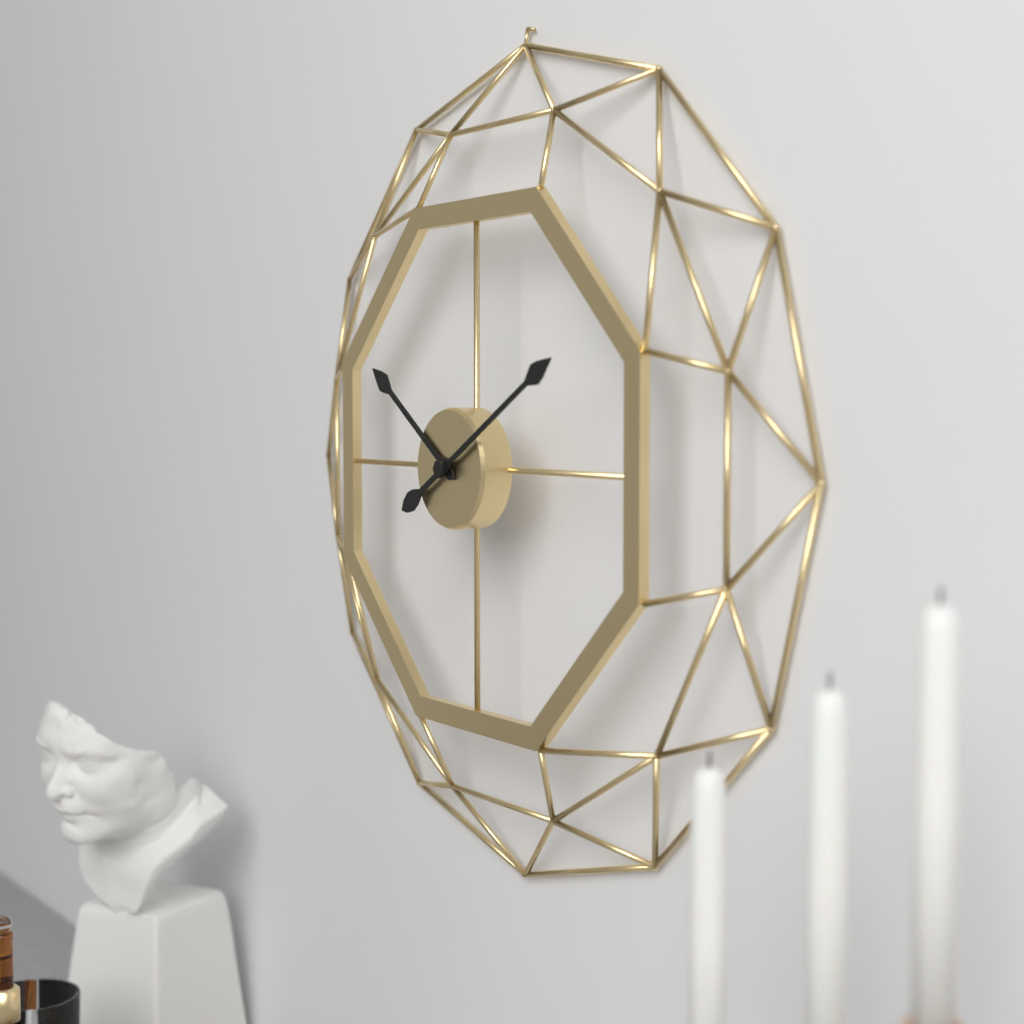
**10:10**
